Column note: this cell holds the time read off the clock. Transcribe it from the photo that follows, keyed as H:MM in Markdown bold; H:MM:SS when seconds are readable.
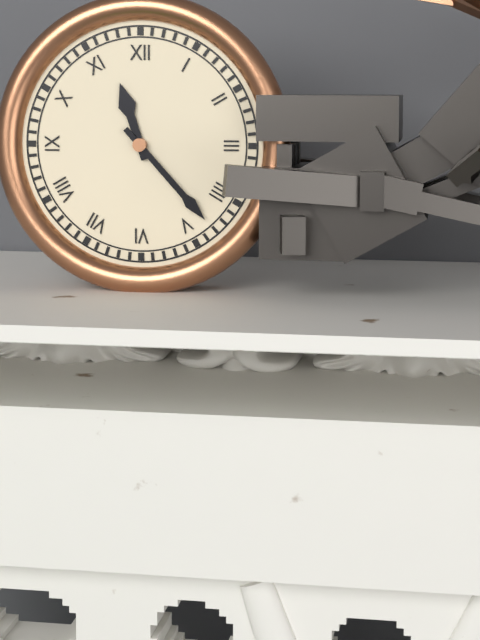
**11:23**
